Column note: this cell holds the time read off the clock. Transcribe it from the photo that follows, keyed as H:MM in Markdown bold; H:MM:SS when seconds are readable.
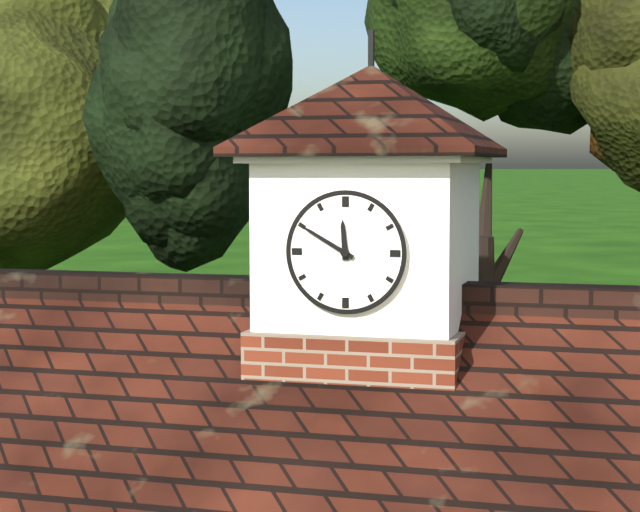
**11:50**
